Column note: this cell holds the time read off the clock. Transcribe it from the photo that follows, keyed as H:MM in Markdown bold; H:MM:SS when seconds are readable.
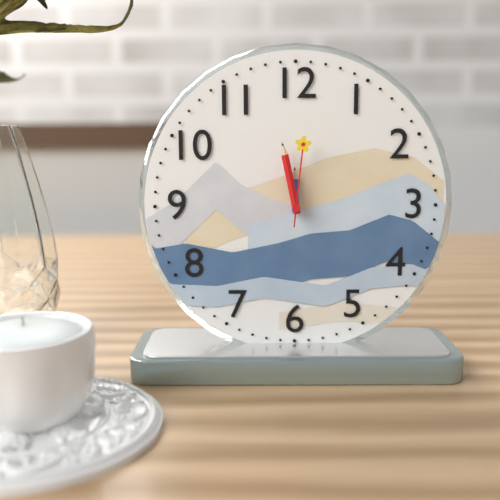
**11:58:01**
